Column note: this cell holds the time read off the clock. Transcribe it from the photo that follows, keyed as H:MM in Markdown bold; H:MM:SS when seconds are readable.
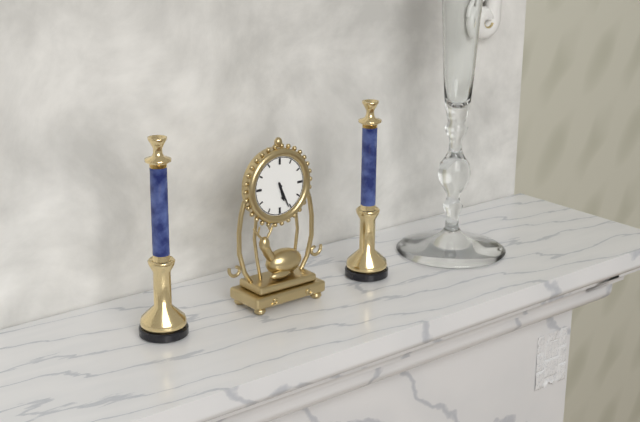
**5:26**
